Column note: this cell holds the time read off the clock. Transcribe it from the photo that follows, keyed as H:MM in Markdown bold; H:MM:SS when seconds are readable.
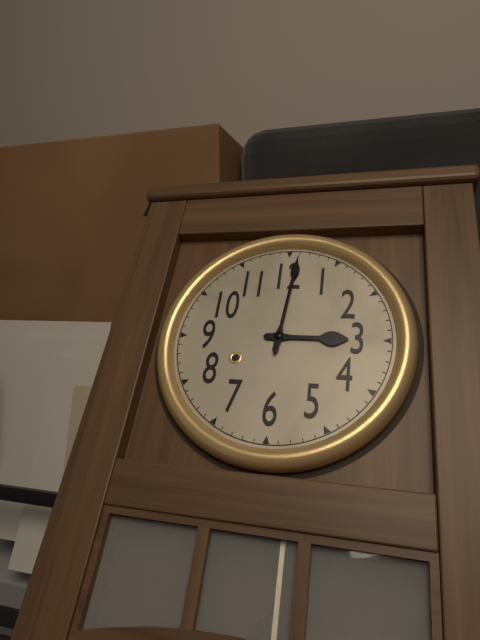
**3:01**
